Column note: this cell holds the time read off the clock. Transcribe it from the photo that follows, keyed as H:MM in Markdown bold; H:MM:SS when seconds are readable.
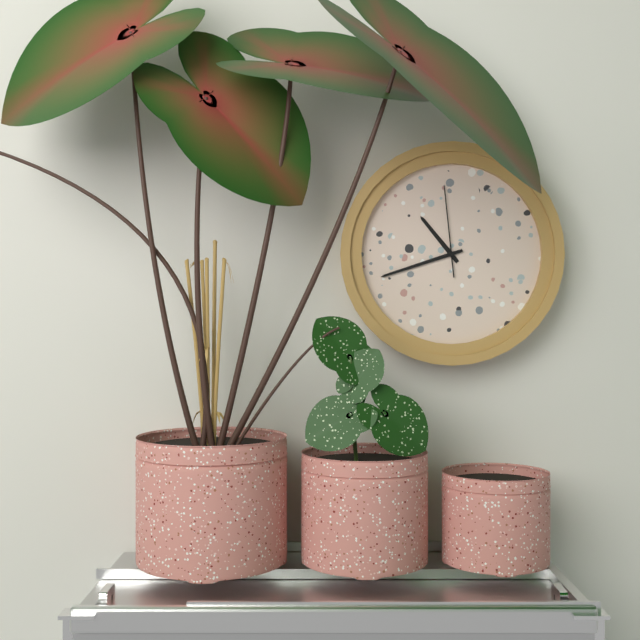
**10:42:59**
